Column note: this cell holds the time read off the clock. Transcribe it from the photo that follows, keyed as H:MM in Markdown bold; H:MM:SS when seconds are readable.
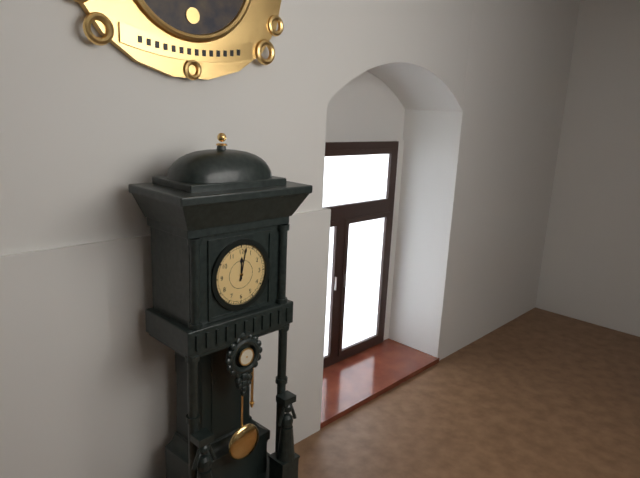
**12:02**
